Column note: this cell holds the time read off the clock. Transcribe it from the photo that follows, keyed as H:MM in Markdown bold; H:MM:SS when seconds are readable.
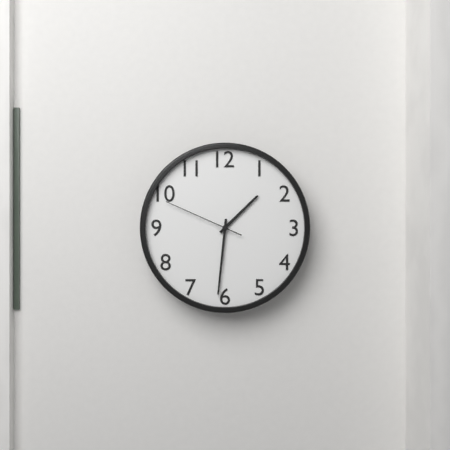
**1:31:49**
